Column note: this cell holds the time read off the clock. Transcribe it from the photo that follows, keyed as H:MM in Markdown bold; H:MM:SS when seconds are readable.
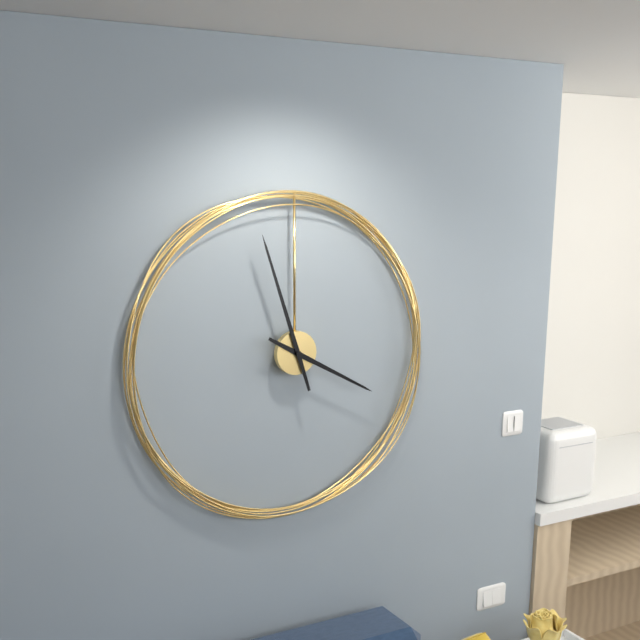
**3:57**
